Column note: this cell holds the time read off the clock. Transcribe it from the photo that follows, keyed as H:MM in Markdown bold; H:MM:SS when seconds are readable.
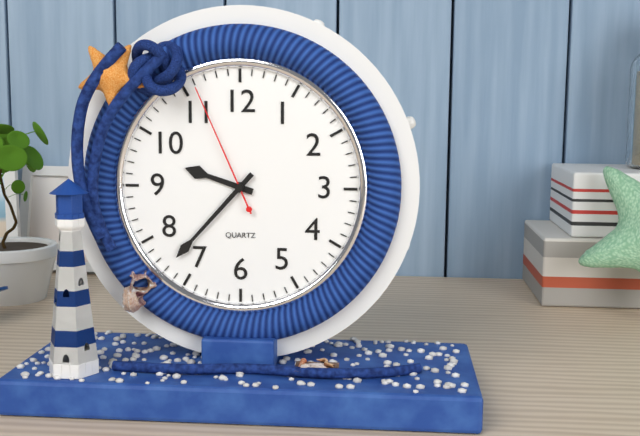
**9:37:56**
